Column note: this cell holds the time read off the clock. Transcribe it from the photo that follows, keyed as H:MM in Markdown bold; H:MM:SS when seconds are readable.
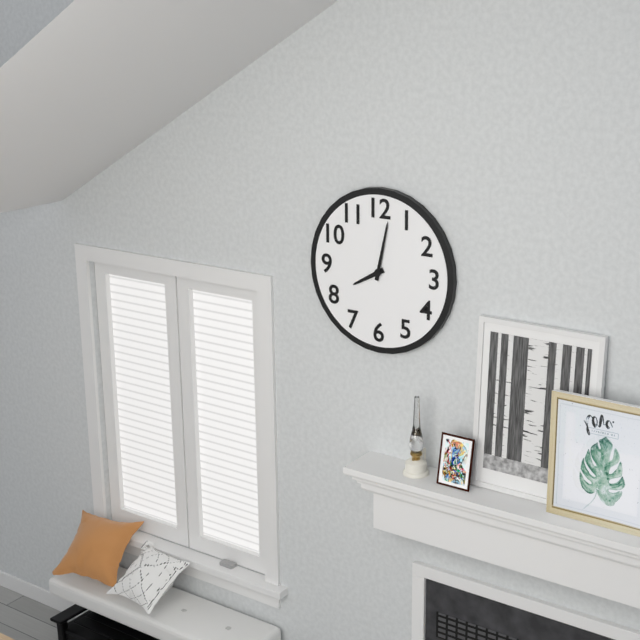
**8:02**
